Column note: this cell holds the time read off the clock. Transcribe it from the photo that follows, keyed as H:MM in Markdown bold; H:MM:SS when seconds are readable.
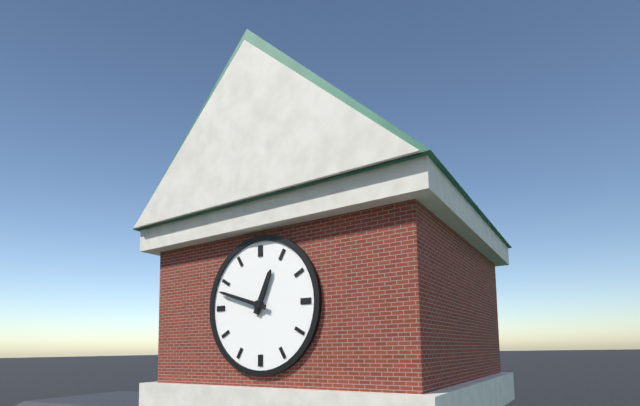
**12:48**
